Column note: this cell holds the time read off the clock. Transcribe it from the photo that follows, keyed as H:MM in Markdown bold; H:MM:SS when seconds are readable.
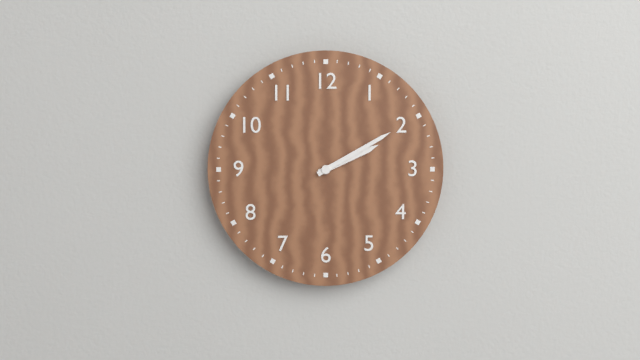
**2:10**
